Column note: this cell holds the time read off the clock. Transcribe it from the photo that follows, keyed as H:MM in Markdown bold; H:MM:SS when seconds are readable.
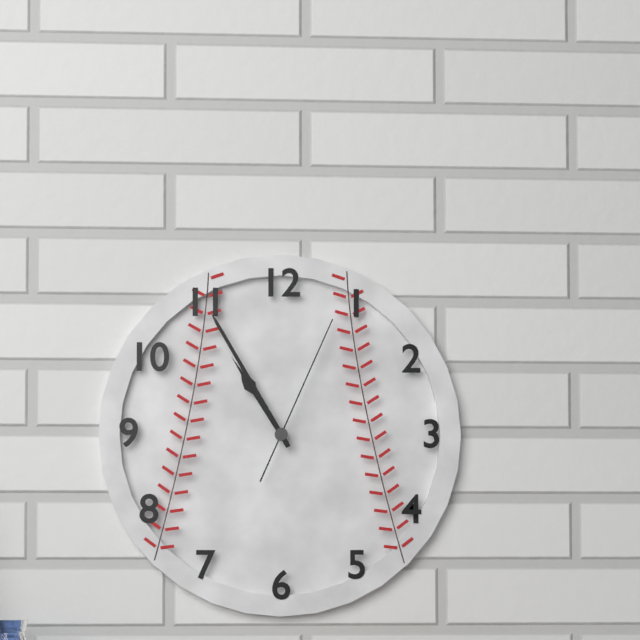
**10:55:04**
